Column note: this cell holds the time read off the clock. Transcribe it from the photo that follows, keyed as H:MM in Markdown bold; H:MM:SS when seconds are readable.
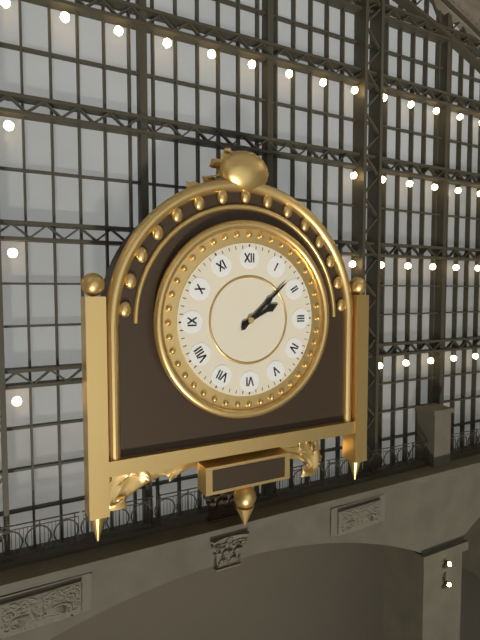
**2:08**
